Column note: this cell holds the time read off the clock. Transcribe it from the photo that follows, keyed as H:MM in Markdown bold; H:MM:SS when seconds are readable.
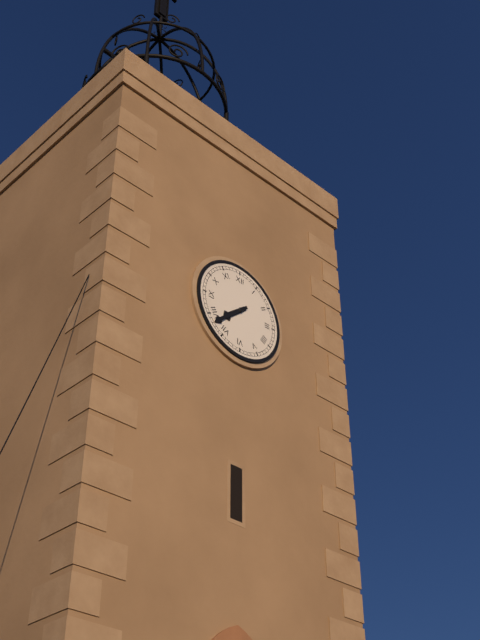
**7:38**
